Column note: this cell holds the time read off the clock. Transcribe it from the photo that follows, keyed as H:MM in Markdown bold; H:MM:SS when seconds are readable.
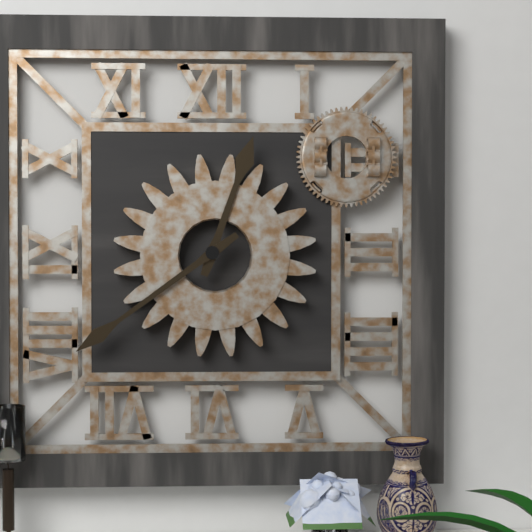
**12:39**
